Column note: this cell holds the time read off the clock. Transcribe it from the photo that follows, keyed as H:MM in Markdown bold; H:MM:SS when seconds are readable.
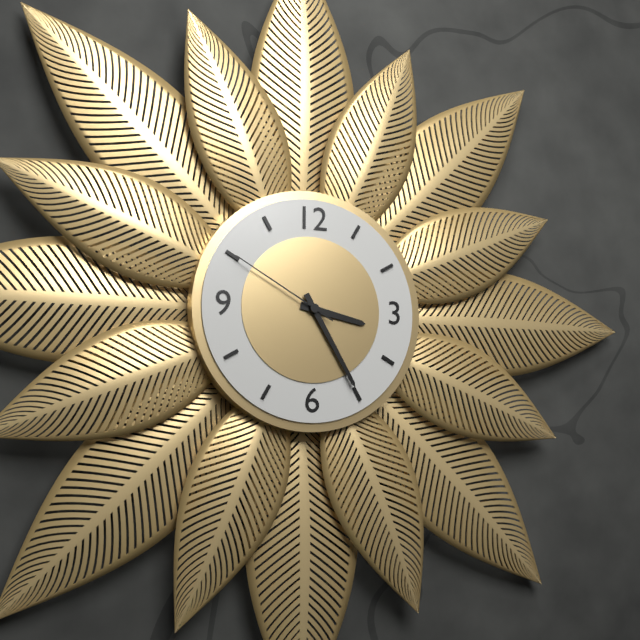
**3:25:50**
